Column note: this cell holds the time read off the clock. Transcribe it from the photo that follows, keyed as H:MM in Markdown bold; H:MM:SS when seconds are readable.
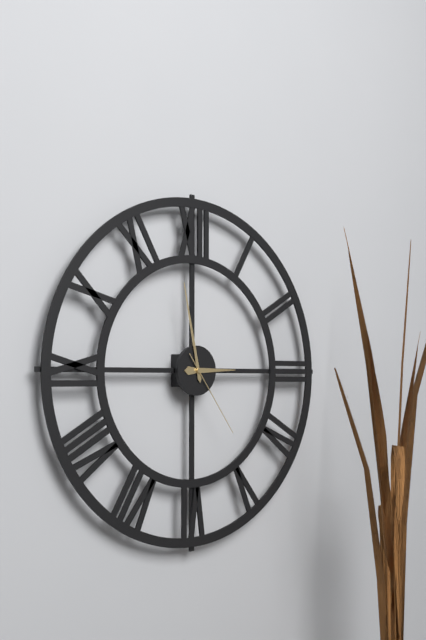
**2:58:24**
